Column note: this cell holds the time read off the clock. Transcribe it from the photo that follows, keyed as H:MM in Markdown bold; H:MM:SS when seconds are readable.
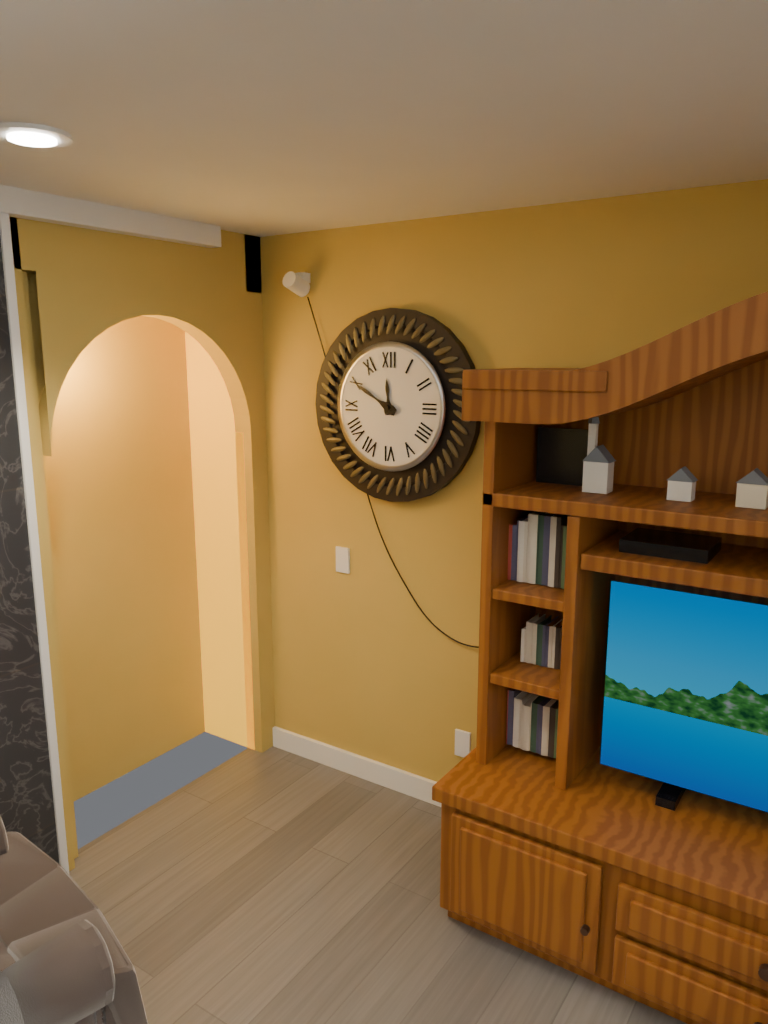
**11:50**
